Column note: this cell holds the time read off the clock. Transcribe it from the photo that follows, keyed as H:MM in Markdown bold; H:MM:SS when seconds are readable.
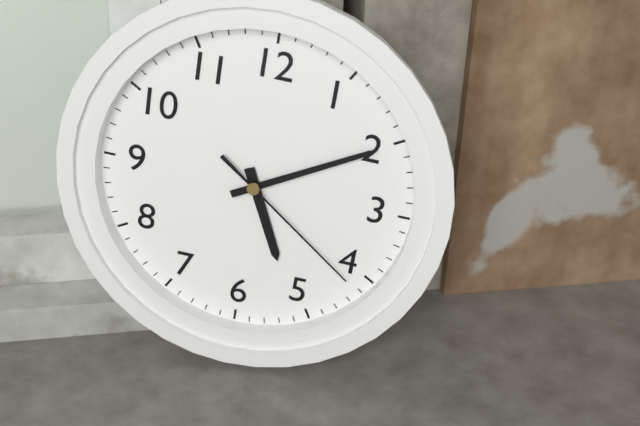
**5:10:21**
